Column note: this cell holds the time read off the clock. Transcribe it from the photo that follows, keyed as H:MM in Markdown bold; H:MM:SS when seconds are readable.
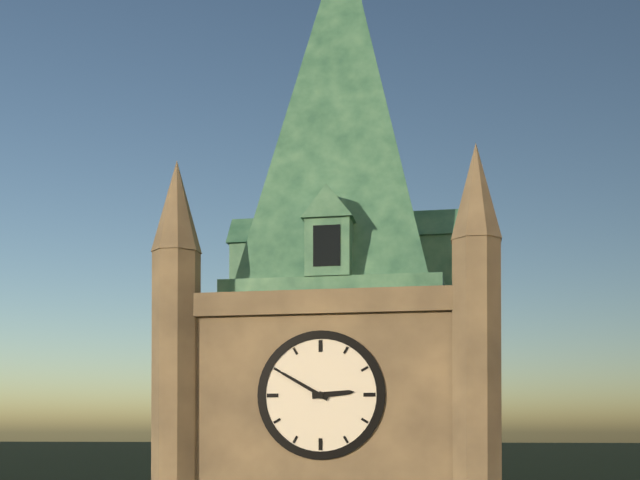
**2:50**
